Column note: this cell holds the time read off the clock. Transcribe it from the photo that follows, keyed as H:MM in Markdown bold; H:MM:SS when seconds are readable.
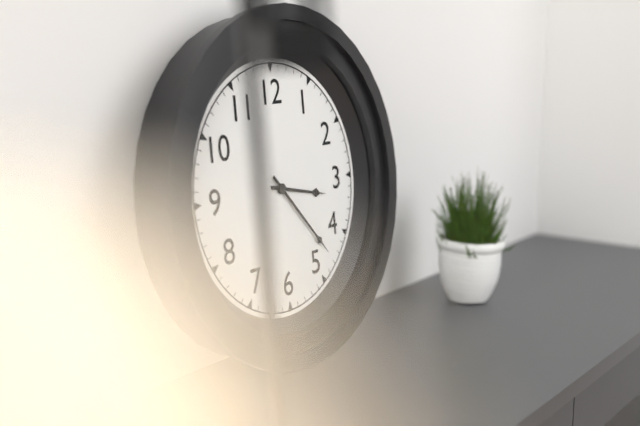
**3:23**
